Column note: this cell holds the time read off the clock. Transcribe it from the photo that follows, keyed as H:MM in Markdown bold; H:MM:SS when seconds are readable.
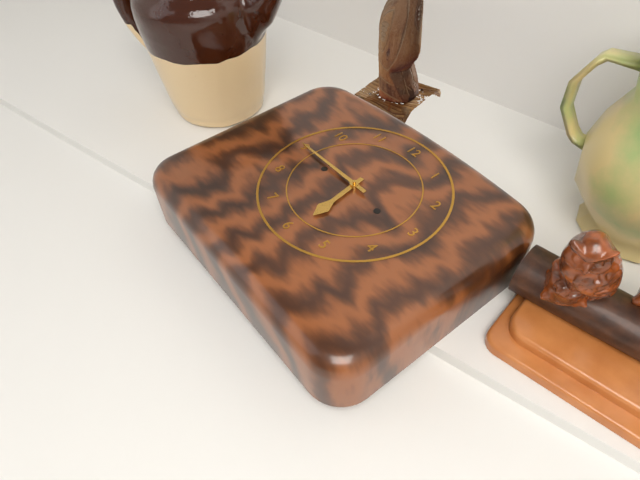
**5:45**
